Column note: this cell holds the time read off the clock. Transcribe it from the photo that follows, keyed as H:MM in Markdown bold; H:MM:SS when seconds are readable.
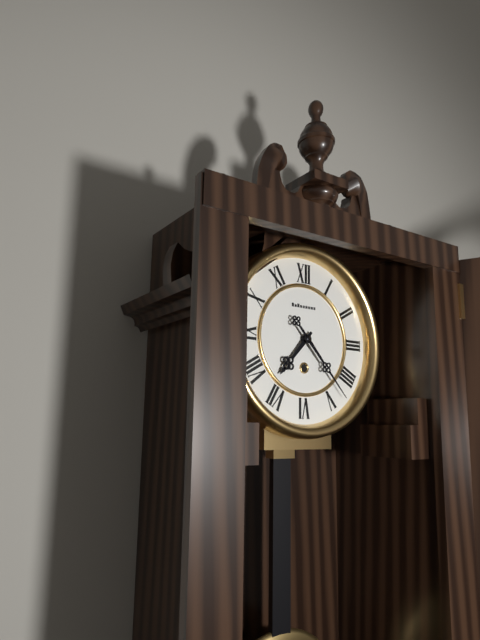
**7:23**
